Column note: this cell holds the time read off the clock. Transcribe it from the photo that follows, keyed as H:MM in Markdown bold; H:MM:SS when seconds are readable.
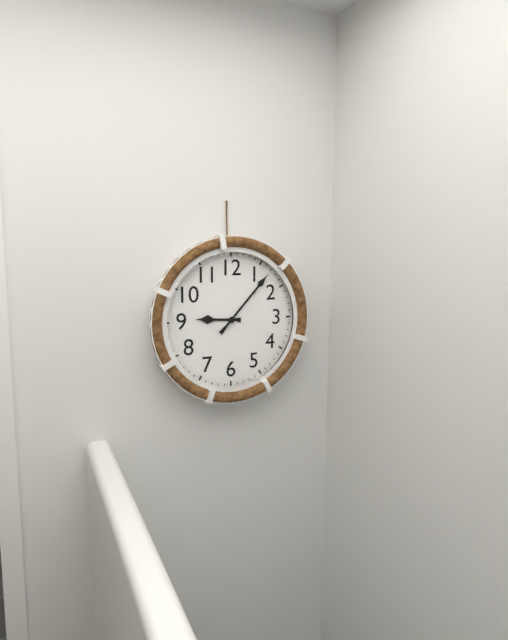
**9:07**
